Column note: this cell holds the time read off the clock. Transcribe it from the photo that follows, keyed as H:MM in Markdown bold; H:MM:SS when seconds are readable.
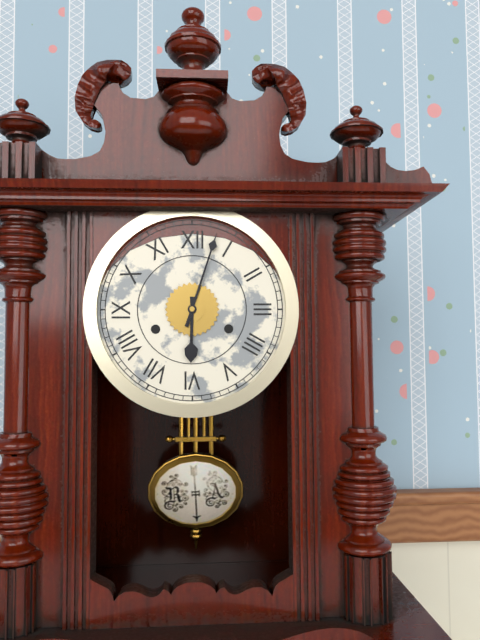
**6:03**
